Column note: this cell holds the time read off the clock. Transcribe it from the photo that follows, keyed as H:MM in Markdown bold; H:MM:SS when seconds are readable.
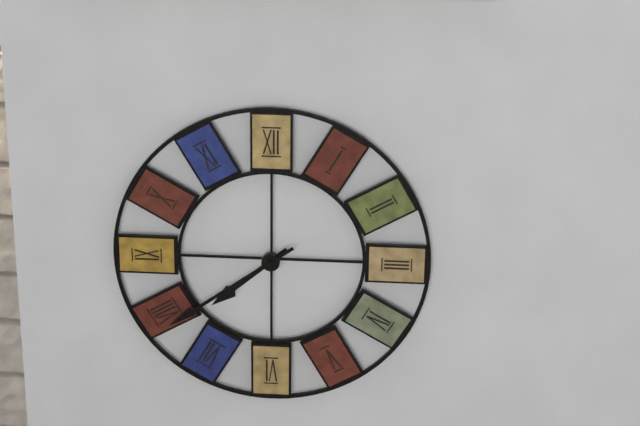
**7:39**
